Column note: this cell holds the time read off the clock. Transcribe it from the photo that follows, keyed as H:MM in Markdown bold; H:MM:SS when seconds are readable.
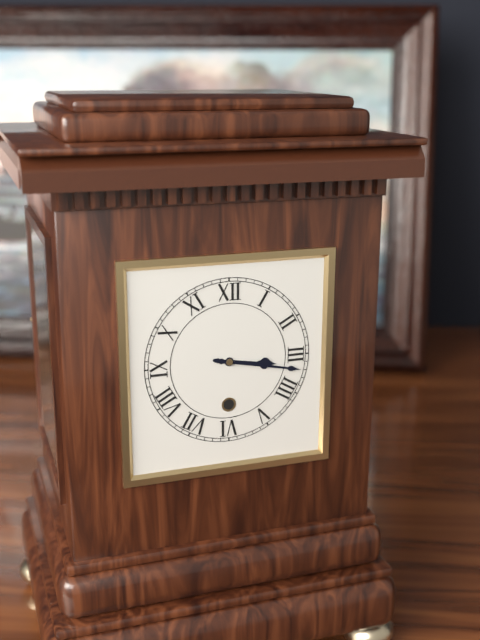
**3:17**
